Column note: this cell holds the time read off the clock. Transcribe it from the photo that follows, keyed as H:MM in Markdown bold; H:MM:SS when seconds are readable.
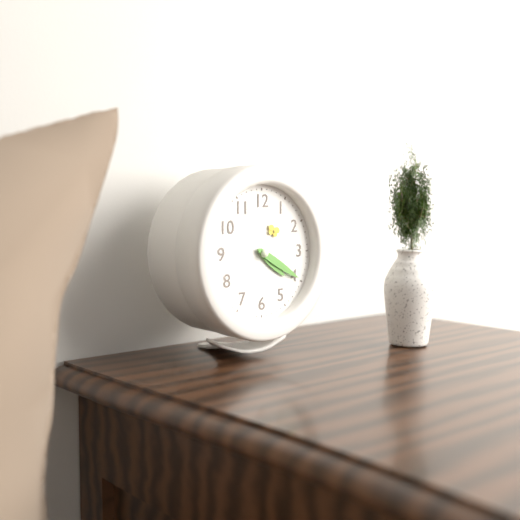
**4:20**
